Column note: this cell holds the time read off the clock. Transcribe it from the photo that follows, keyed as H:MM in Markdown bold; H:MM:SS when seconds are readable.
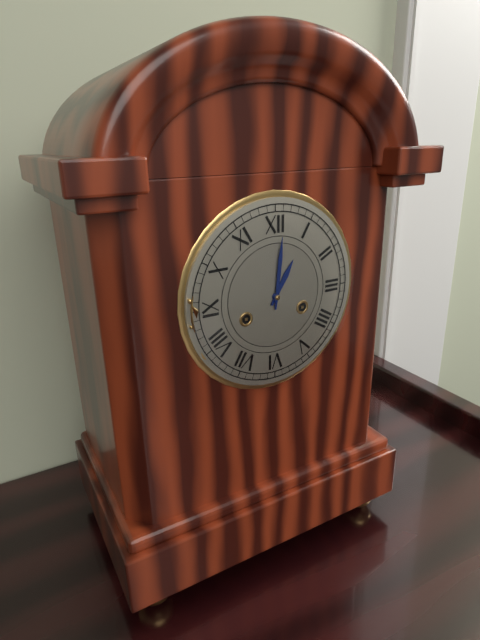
**1:01**
